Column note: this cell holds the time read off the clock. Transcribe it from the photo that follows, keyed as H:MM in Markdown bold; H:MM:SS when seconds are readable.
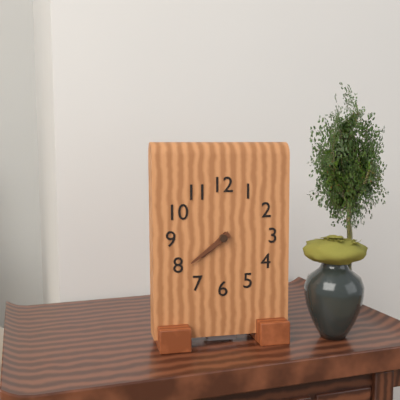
**7:39**
